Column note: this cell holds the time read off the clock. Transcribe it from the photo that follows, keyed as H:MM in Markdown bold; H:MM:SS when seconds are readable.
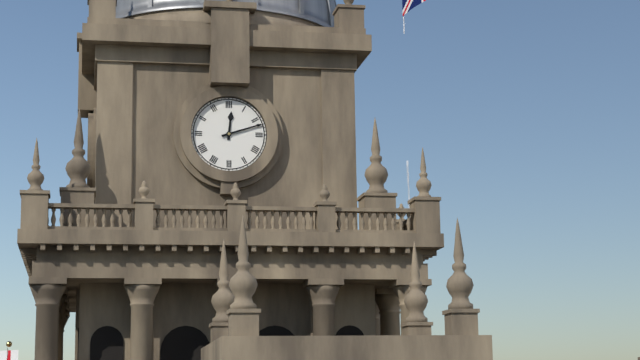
**12:12**
